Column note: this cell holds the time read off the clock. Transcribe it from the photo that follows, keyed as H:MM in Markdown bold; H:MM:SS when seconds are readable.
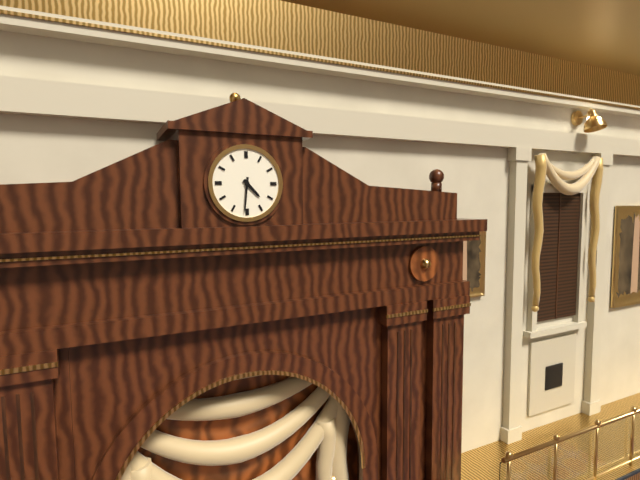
**4:31**
